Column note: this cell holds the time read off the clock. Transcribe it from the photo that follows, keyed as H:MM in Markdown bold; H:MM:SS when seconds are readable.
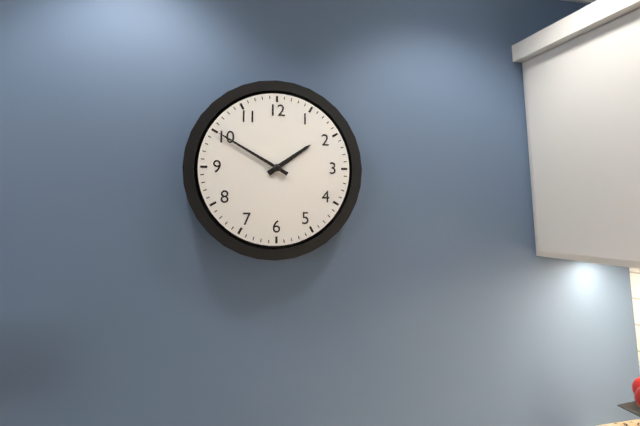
**1:50**
